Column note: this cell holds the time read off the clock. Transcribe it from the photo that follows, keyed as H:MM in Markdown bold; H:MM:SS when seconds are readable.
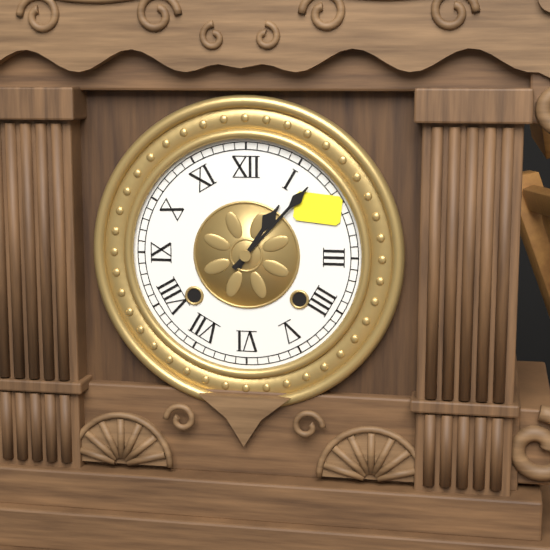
**1:07**
